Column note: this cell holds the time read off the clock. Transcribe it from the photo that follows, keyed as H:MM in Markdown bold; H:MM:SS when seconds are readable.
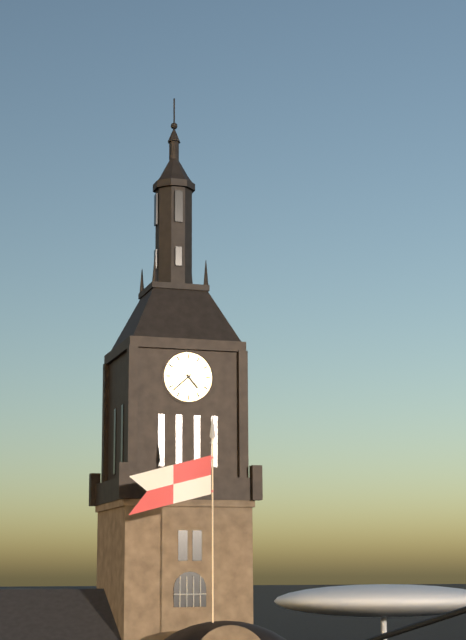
**4:38**
